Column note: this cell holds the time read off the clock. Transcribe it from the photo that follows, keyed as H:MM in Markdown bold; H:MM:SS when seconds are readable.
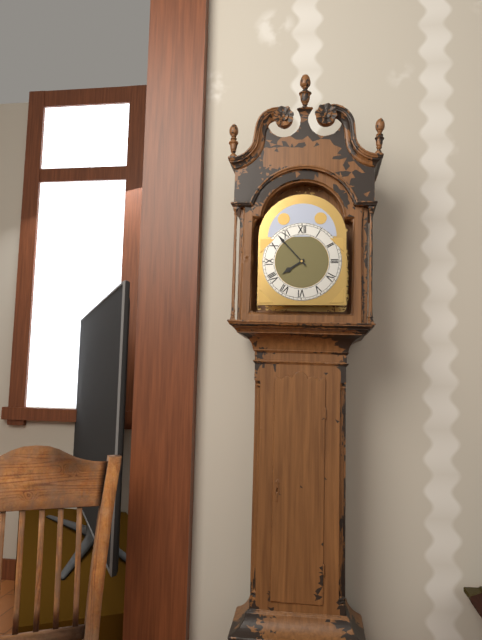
**7:53**
